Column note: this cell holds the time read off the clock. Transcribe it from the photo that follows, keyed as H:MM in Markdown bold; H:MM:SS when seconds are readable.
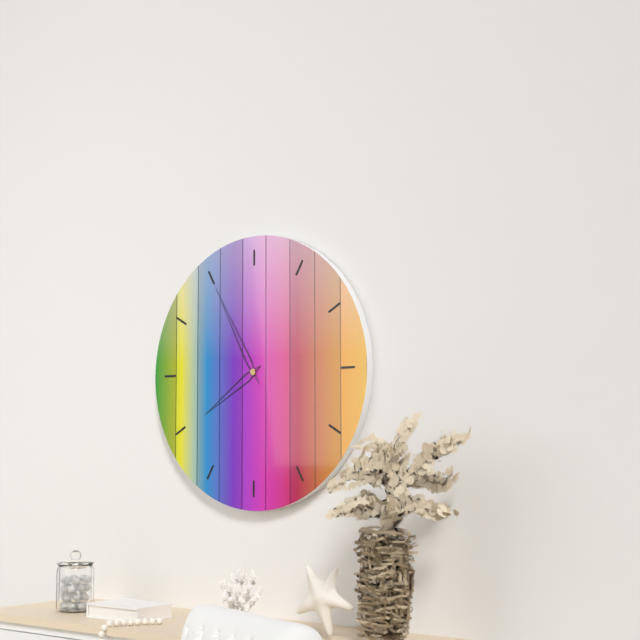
**7:55**
